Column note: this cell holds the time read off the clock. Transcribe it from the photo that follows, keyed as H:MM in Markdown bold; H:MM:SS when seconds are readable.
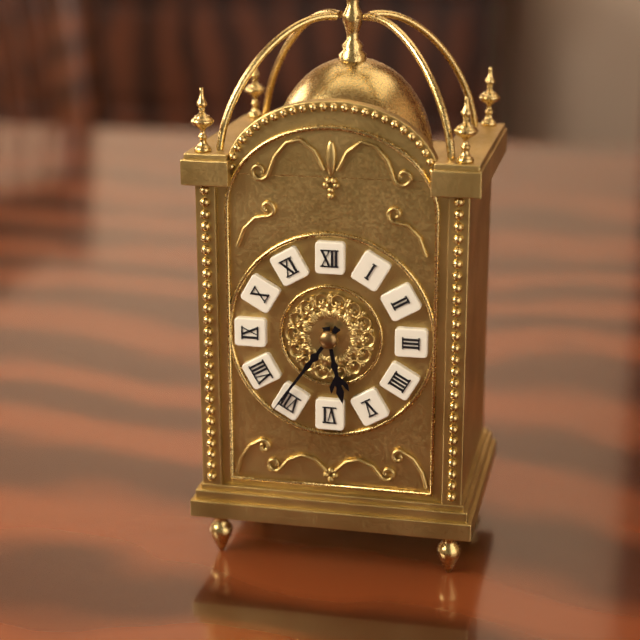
**5:36**
